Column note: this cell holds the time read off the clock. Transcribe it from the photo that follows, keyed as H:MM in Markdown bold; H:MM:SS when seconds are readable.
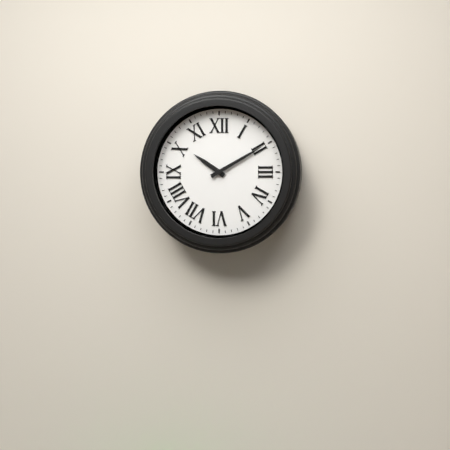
**10:10**
